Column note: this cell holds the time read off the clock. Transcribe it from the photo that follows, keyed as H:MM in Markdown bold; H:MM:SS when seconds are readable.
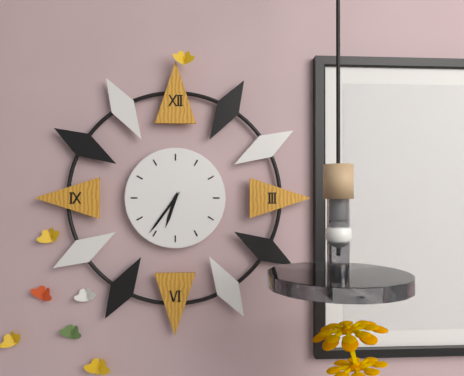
**6:36**
